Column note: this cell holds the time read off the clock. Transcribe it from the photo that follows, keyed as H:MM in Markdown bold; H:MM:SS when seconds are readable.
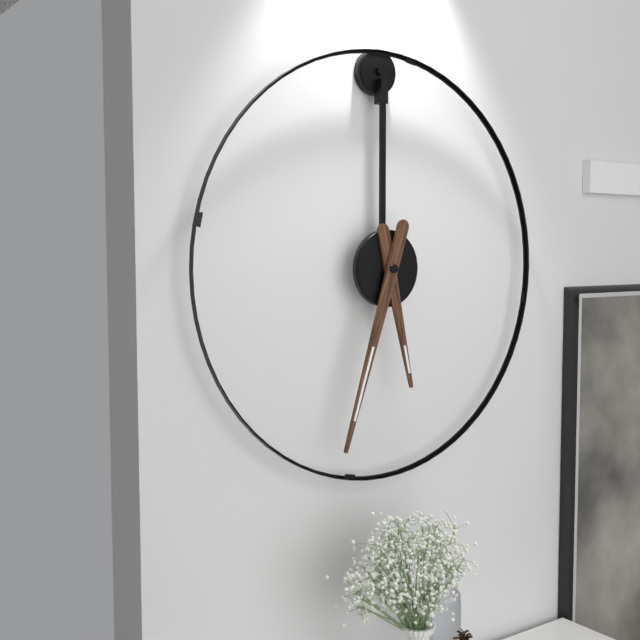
**5:33**
